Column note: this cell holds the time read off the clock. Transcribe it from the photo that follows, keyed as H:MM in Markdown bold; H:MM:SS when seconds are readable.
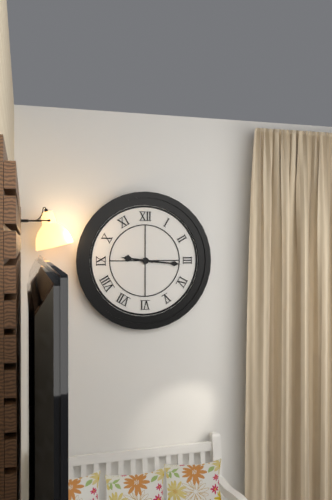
**9:16**
